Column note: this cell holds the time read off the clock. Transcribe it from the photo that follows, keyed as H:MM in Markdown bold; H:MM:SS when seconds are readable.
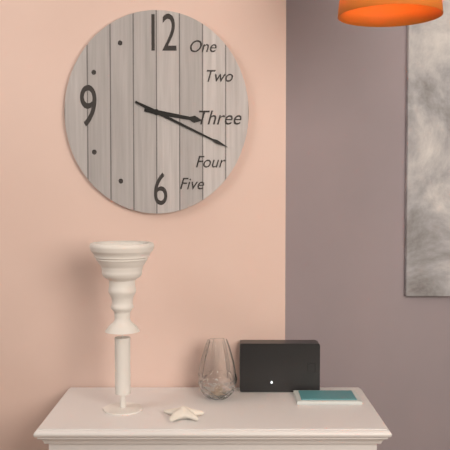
**3:19**
